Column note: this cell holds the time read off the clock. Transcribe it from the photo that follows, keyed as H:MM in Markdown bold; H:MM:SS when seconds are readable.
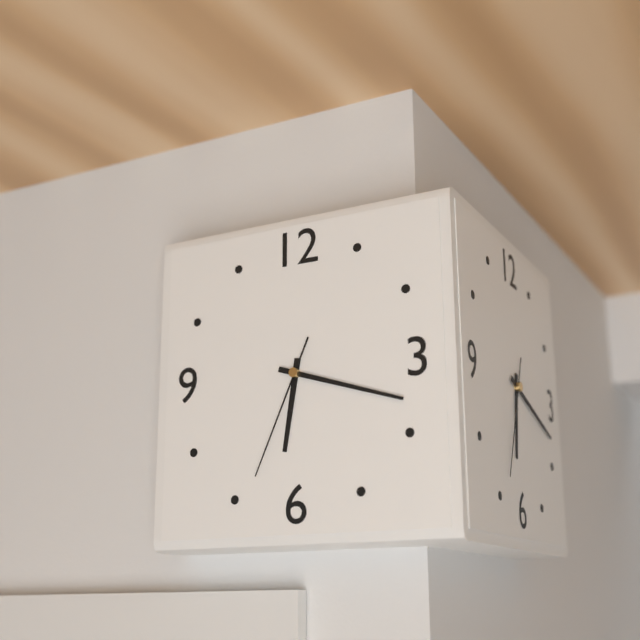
**6:18:34**
